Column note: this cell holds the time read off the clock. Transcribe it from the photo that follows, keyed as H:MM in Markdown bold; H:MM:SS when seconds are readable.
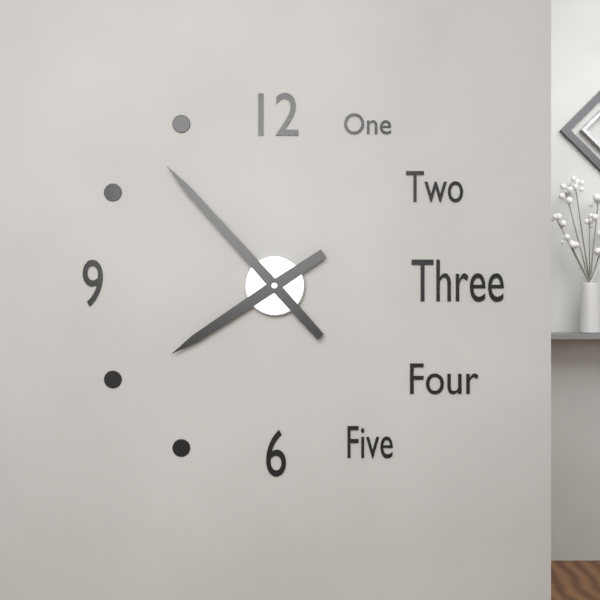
**7:53**
